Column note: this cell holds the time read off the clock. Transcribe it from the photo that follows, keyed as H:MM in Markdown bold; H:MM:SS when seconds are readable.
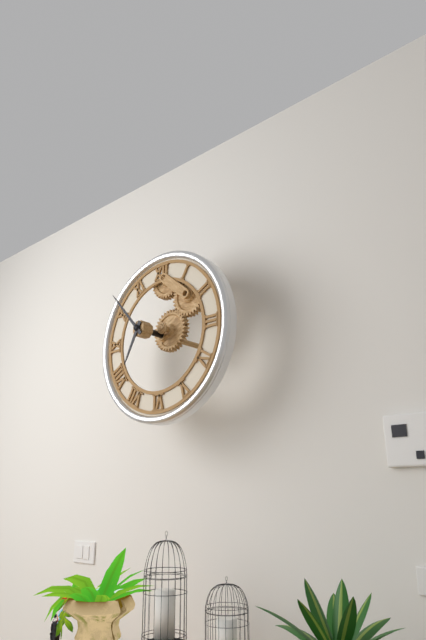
**6:53**
